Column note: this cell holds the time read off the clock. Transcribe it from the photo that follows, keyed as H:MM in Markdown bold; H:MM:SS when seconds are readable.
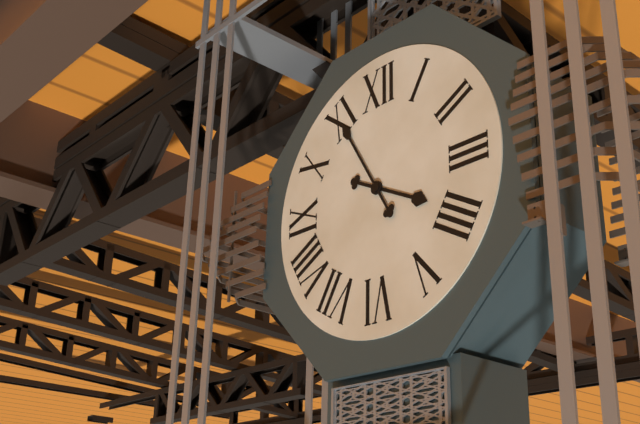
**3:55**
